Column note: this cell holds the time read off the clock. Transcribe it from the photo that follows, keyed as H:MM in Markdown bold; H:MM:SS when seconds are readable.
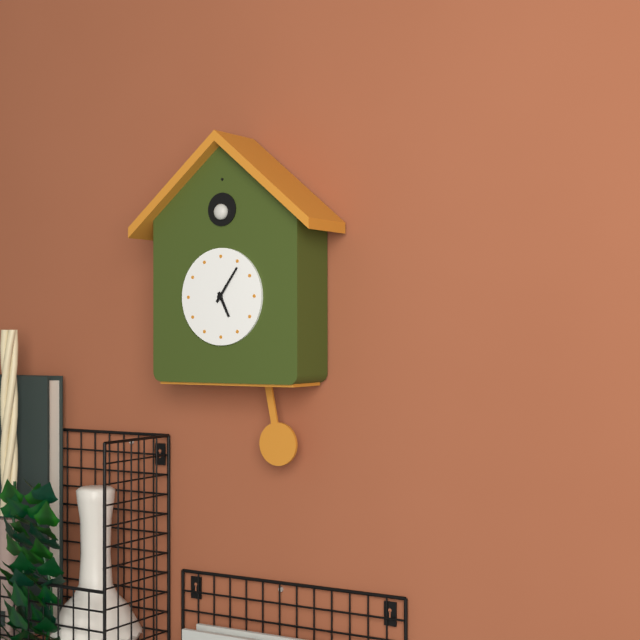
**5:06**
